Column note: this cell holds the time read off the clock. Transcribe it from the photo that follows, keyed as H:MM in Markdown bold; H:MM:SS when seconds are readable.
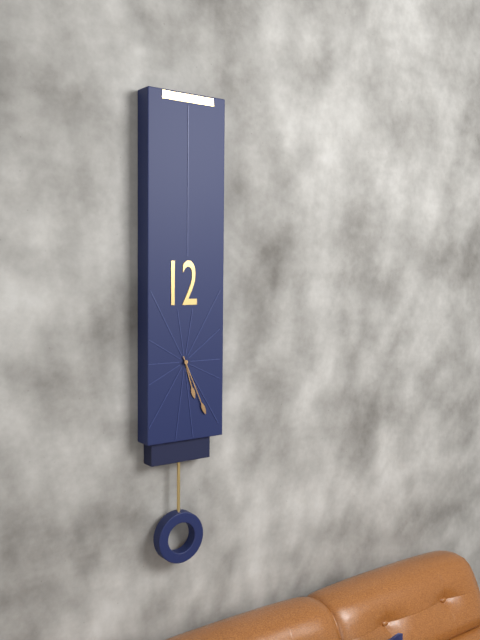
**5:26**
